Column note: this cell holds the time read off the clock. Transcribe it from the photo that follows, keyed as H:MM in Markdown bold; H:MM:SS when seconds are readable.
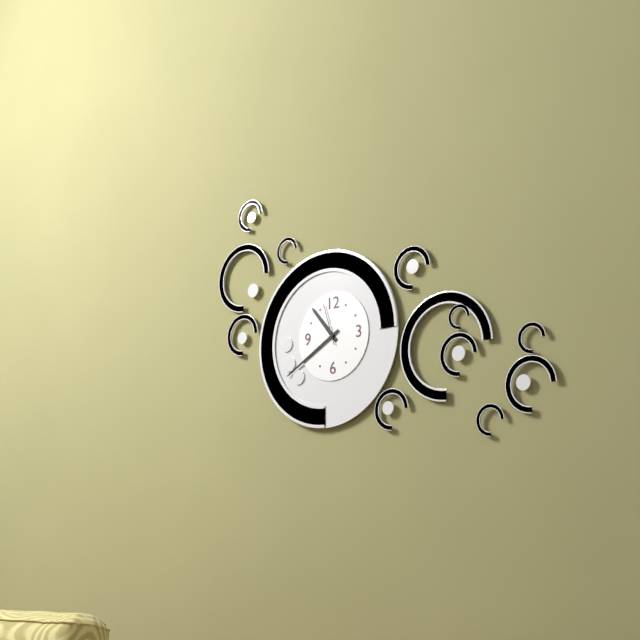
**10:40**
